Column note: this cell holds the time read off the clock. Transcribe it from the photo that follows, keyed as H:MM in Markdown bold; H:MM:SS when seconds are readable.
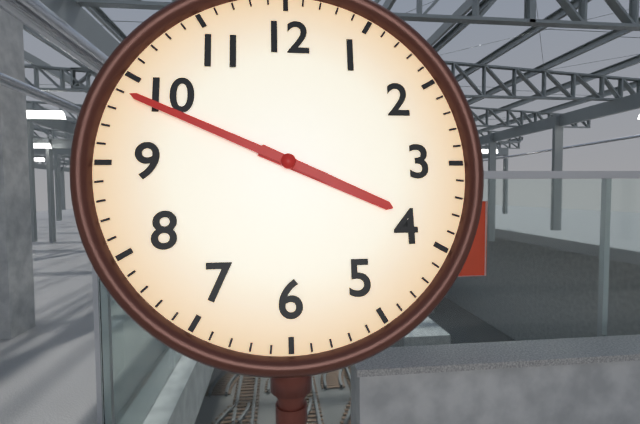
**3:49**
